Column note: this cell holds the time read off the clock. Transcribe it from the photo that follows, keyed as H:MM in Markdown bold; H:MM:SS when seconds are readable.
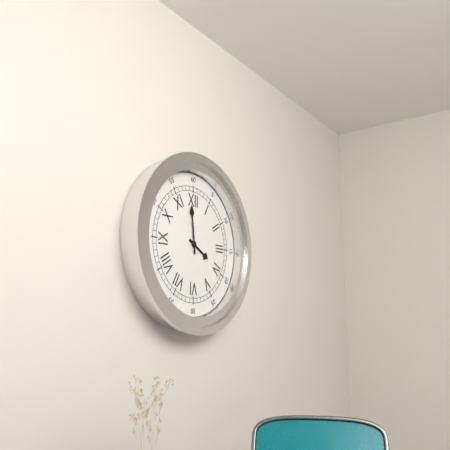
**3:59**
